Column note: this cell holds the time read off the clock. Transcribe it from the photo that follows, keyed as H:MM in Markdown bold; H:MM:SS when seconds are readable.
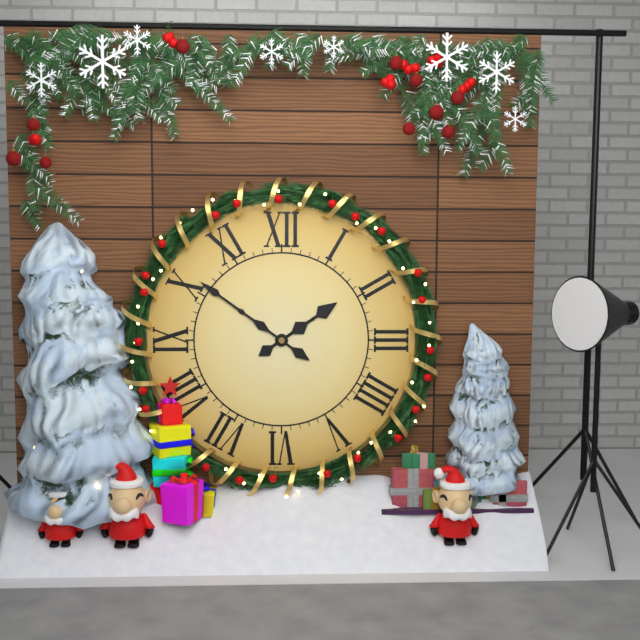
**1:51**
